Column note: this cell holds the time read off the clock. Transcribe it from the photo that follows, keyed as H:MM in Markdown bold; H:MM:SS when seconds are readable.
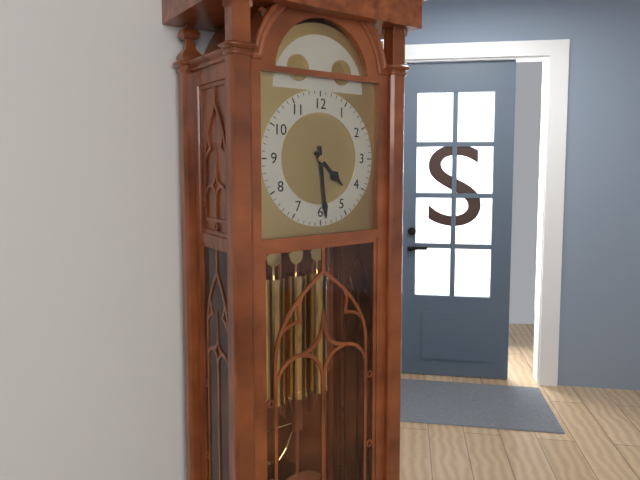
**4:29**
